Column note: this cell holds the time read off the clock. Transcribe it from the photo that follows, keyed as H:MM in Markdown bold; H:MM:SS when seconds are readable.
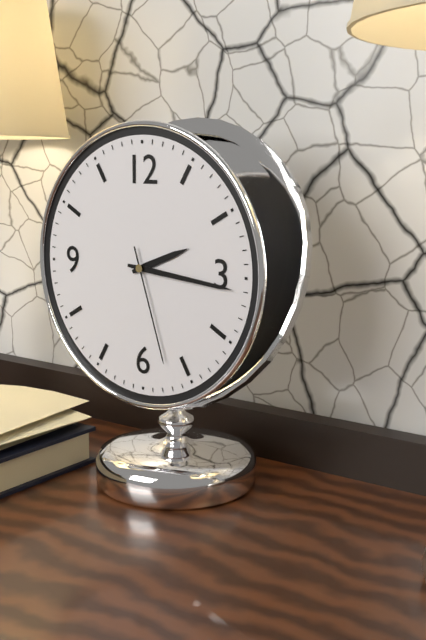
**2:16:27**
